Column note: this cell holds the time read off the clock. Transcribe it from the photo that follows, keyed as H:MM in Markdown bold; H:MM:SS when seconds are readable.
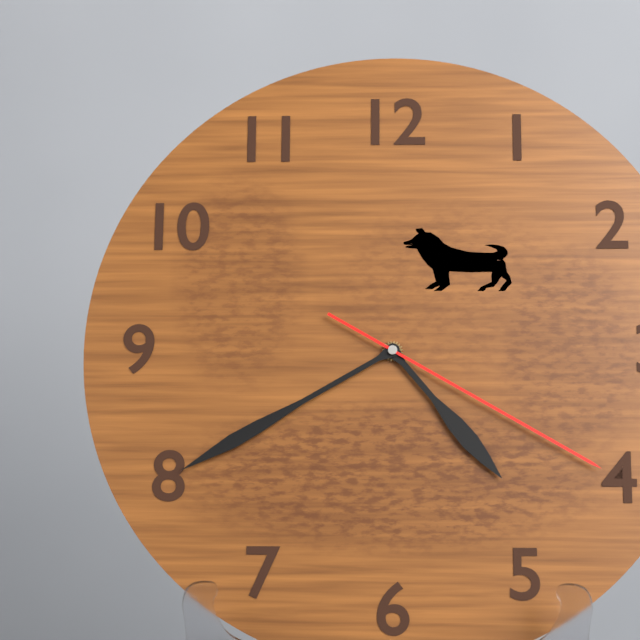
**4:40:20**
